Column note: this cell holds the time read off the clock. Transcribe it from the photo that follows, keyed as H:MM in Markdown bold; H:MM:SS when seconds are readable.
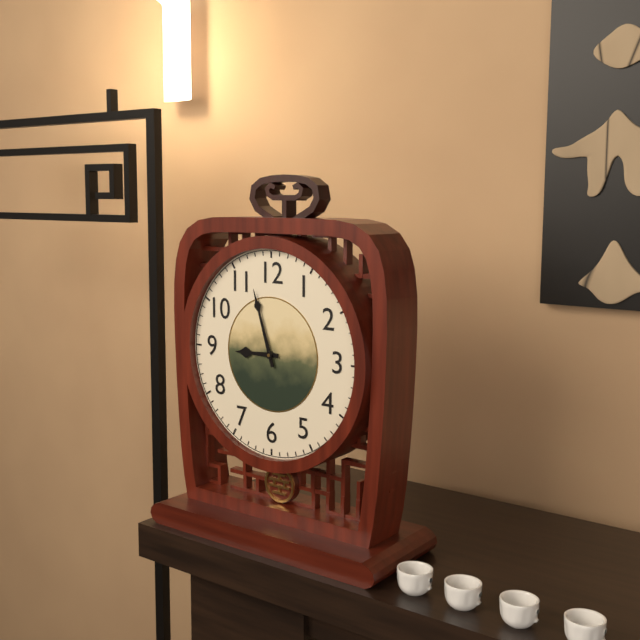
**8:57**
